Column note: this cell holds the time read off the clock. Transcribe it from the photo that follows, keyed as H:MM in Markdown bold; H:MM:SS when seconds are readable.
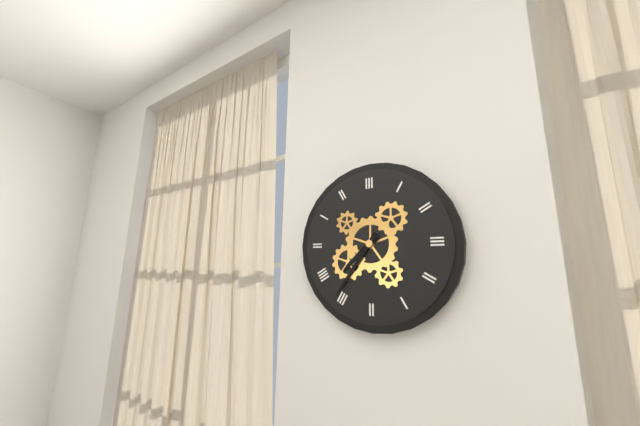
**7:36**
